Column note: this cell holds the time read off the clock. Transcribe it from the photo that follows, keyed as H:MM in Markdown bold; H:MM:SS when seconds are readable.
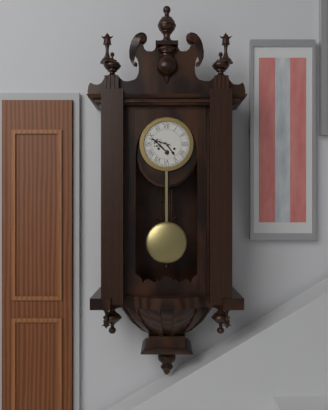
**4:48**
